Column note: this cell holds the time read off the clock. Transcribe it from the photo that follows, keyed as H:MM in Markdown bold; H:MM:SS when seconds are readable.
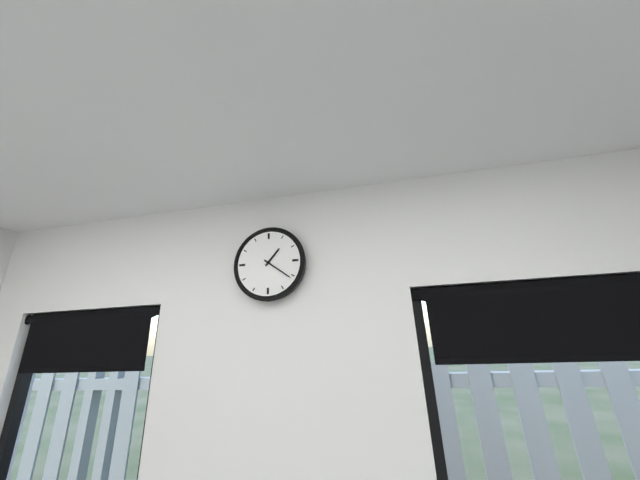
**1:21**
